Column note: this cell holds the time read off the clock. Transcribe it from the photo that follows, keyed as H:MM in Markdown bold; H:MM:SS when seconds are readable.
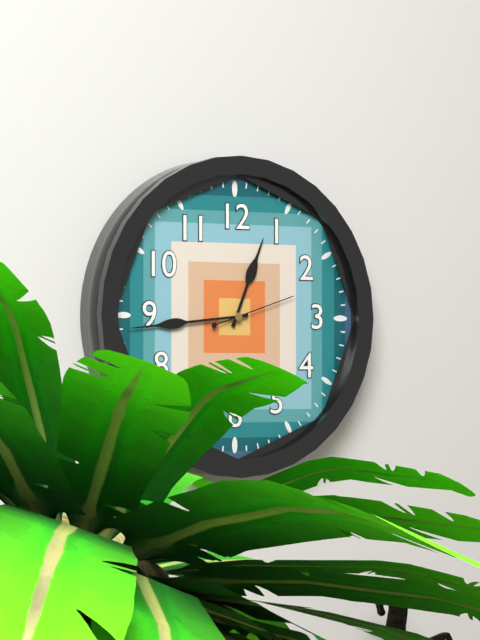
**12:44:12**
